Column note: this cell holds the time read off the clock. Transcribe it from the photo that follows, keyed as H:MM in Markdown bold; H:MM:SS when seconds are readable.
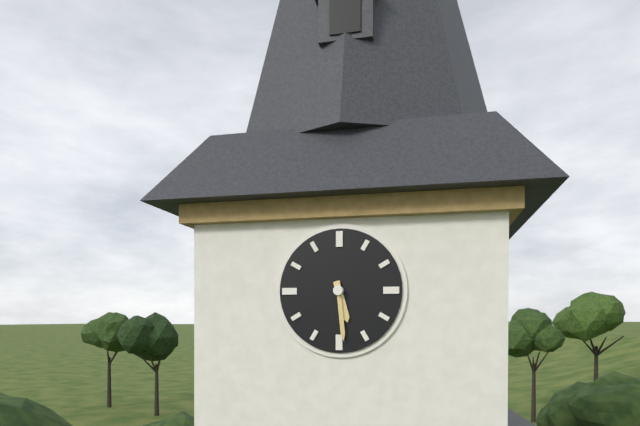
**5:29**
